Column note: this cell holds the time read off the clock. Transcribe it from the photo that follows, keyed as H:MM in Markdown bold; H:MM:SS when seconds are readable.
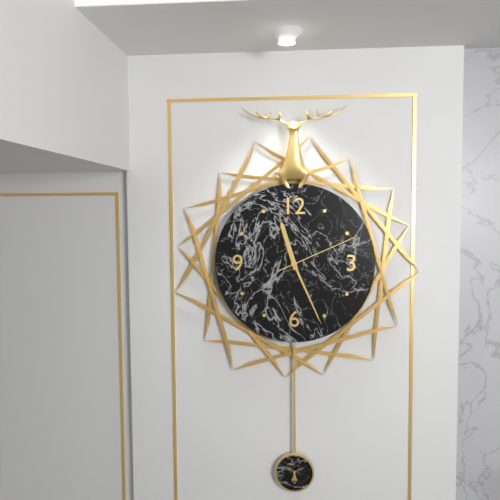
**11:26:11**
